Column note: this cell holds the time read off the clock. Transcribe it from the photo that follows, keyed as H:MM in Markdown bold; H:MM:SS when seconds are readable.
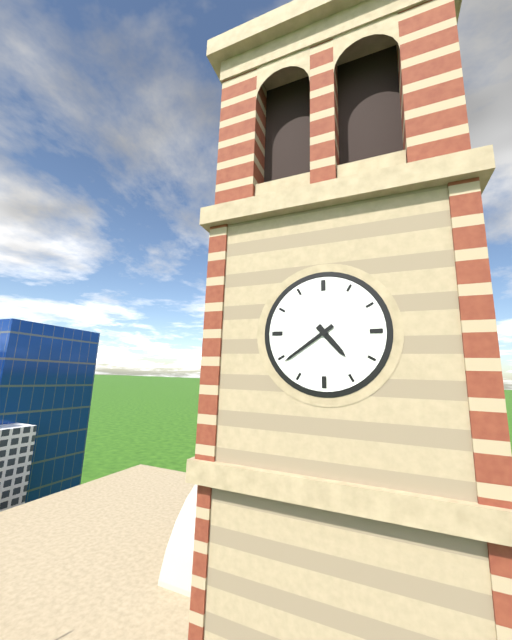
**4:39**
